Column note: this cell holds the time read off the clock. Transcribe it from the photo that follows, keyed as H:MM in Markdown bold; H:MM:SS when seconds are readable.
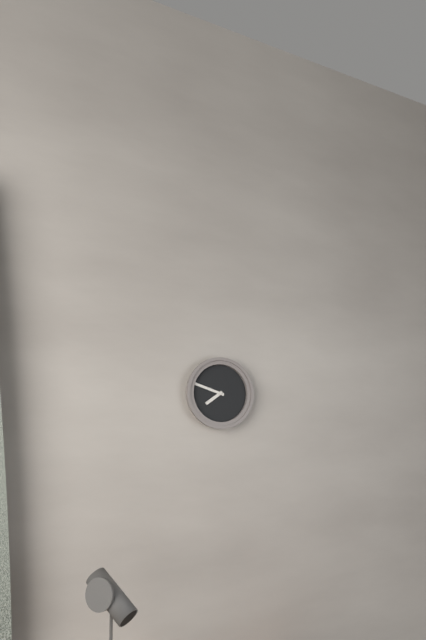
**7:48**
